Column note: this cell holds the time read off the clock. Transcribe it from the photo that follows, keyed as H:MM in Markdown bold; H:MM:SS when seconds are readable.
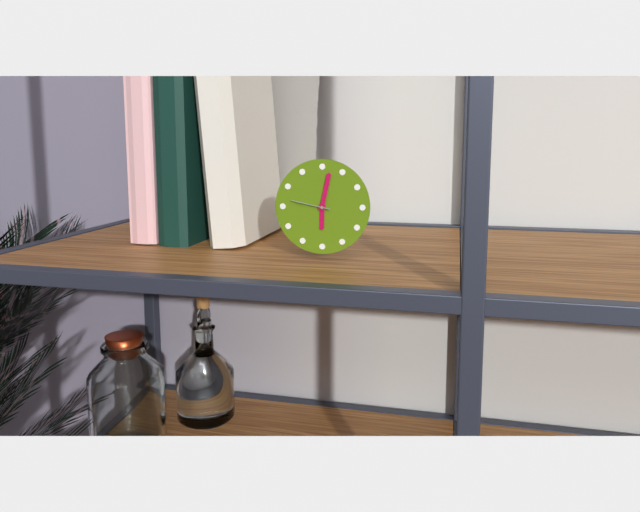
**6:02**
